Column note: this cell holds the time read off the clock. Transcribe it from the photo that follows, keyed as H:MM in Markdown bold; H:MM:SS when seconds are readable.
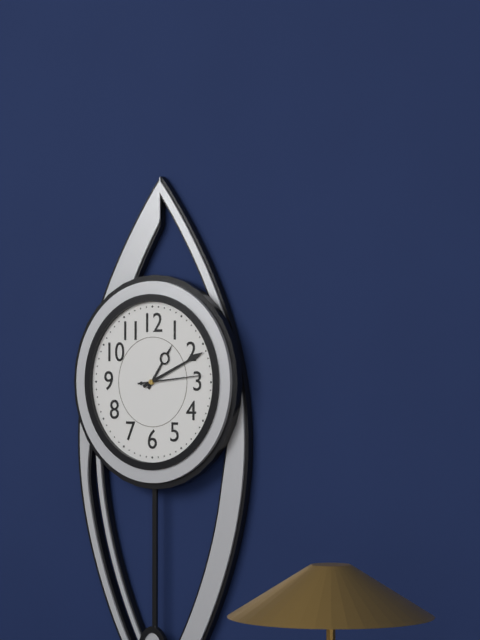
**1:11:14**
